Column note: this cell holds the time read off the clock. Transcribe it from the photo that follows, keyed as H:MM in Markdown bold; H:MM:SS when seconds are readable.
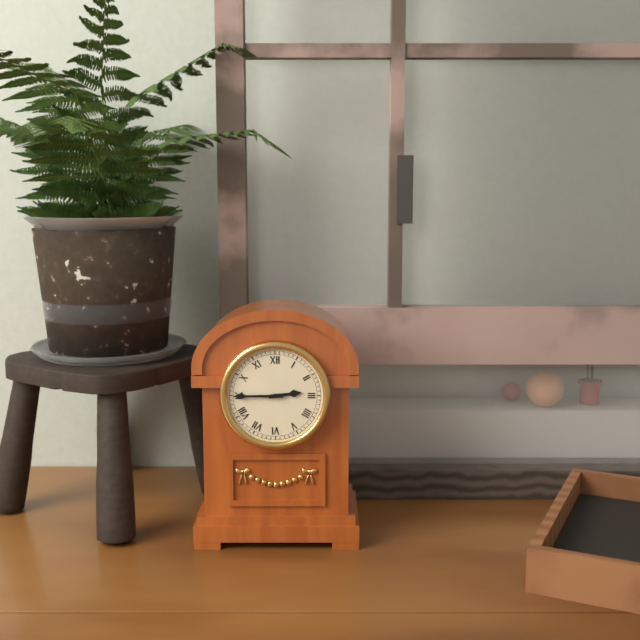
**2:45**
